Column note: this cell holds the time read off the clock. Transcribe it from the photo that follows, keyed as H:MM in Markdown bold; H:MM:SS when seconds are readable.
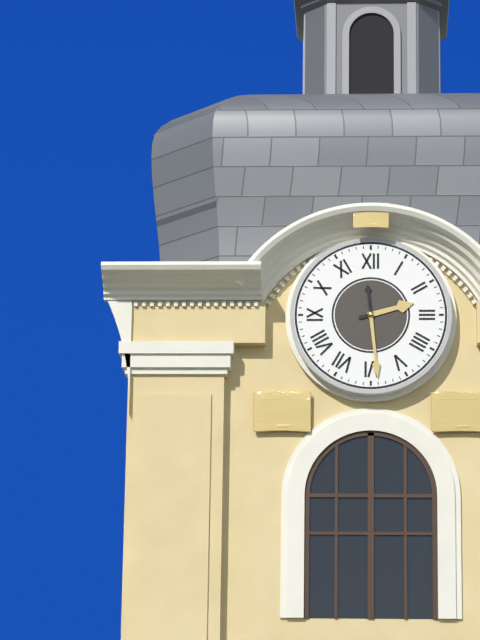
**2:29**
